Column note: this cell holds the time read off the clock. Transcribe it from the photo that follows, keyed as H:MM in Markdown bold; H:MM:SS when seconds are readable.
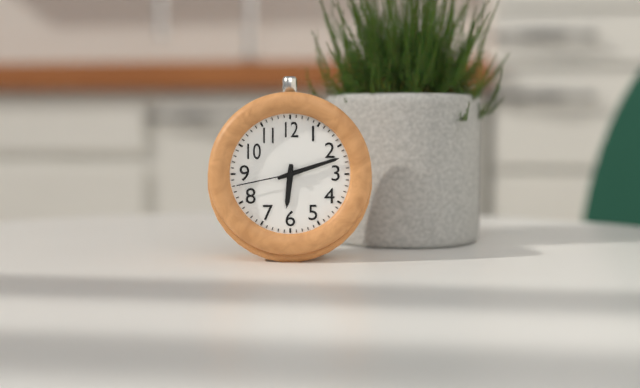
**6:12:43**
